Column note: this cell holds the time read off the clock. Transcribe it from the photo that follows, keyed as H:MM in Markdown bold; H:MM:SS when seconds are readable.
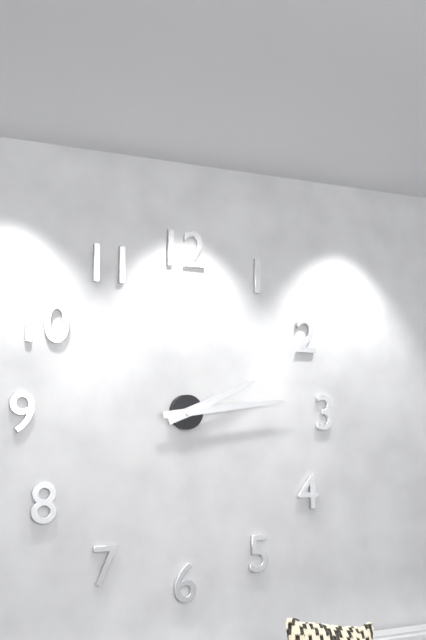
**2:14**
